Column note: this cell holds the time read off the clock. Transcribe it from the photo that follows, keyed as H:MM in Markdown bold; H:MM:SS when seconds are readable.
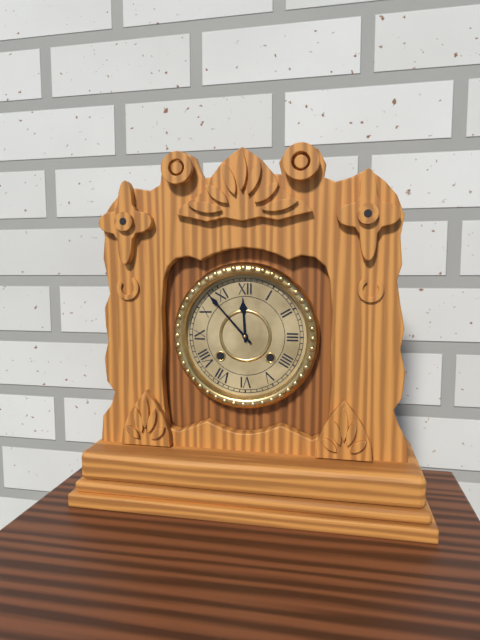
**11:53**
